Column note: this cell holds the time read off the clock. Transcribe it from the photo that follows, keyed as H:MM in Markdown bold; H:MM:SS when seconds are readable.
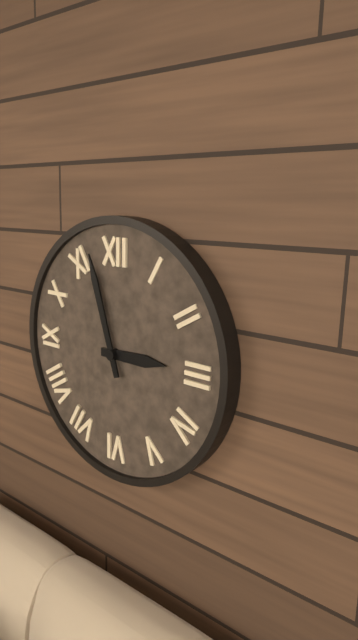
**2:57**
